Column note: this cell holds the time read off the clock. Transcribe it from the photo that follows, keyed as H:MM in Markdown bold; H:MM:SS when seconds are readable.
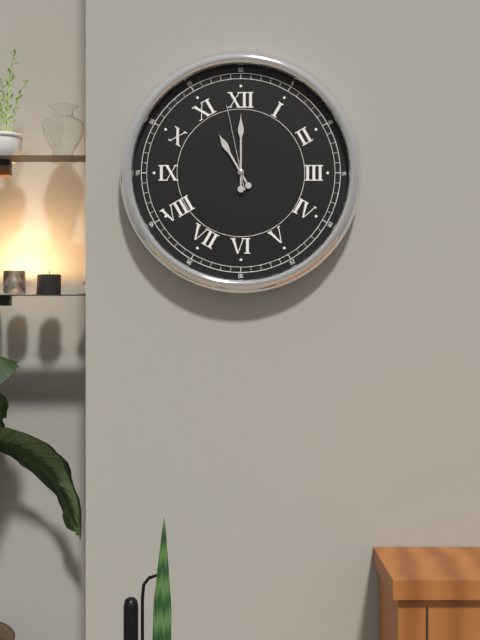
**11:00:58**
